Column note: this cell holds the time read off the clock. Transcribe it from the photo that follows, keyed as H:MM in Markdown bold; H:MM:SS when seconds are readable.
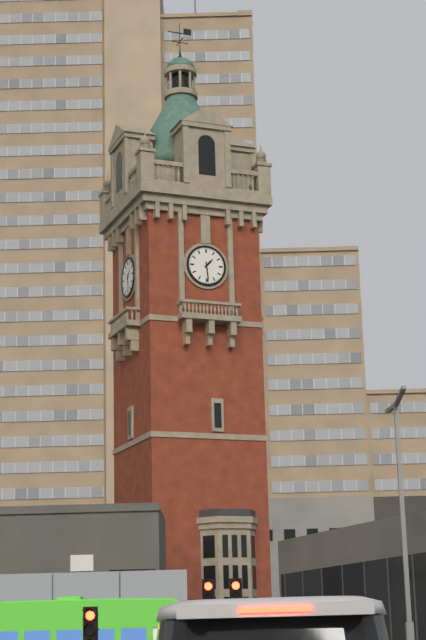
**1:29**
